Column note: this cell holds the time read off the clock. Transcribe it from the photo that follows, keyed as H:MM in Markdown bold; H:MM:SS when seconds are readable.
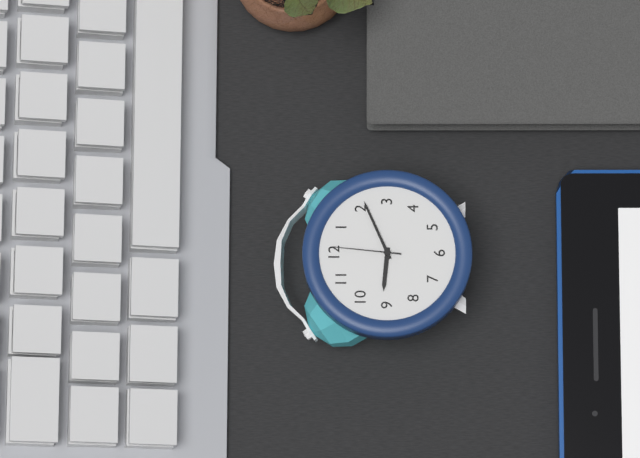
**9:11:01**
